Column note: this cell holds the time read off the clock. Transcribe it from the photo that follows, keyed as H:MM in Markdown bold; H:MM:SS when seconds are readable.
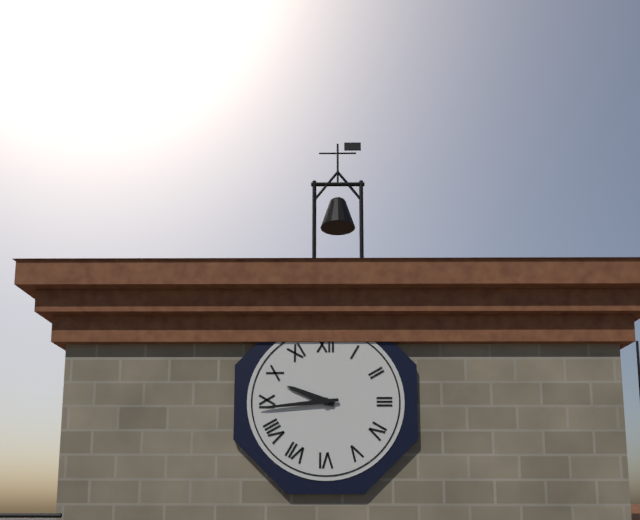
**9:44**
